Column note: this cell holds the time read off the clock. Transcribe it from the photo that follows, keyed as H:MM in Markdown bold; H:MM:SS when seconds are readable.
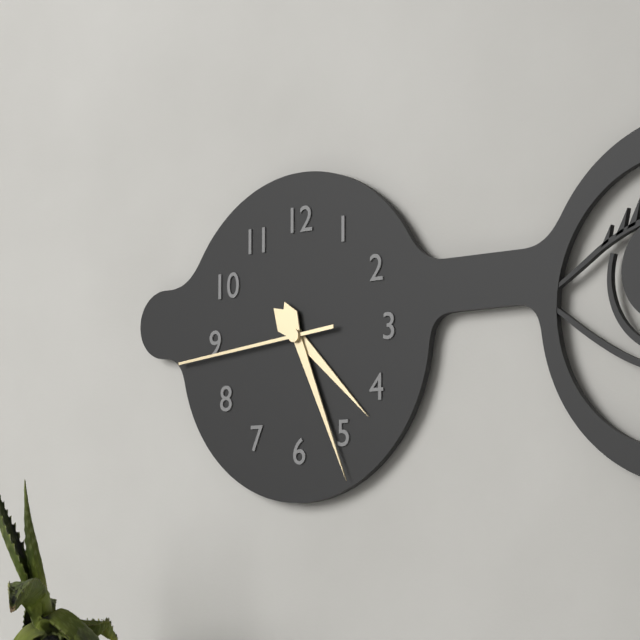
**4:26:44**
